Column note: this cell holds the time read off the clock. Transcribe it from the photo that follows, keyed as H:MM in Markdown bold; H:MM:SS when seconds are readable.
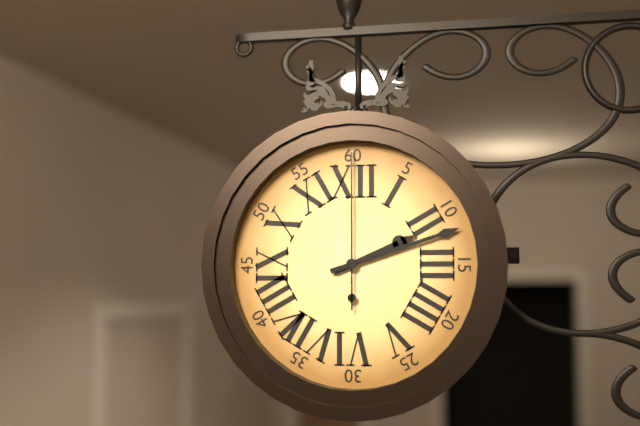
**2:12:00**
